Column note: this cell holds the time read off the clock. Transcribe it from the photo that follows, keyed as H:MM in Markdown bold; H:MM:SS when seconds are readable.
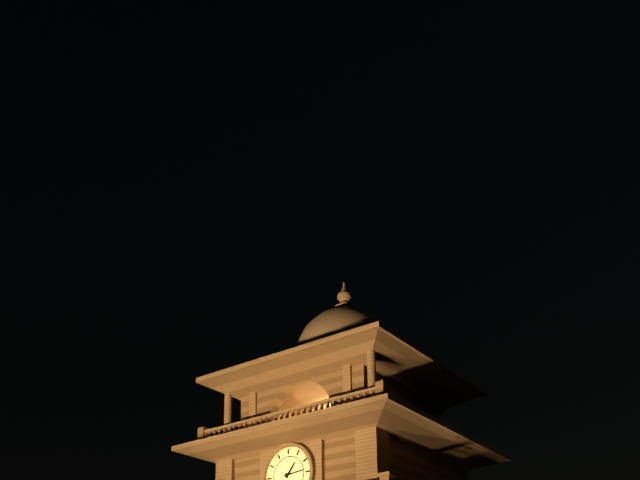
**1:14**
